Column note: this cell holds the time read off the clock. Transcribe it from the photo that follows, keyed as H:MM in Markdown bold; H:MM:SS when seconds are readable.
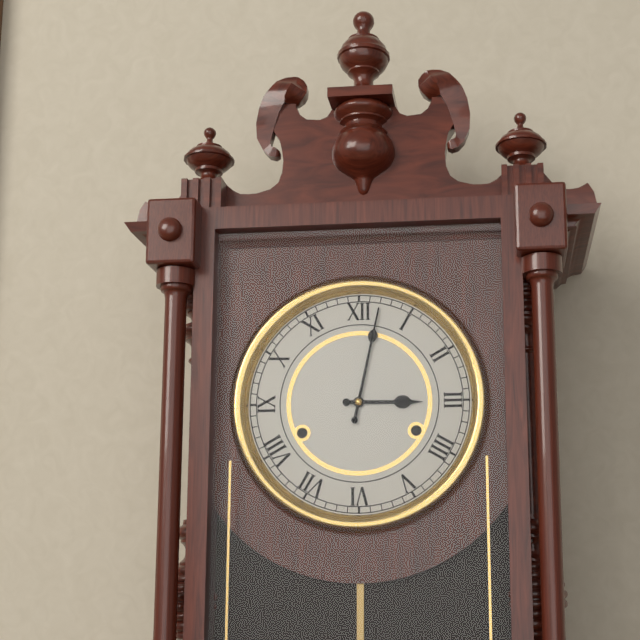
**3:02**
